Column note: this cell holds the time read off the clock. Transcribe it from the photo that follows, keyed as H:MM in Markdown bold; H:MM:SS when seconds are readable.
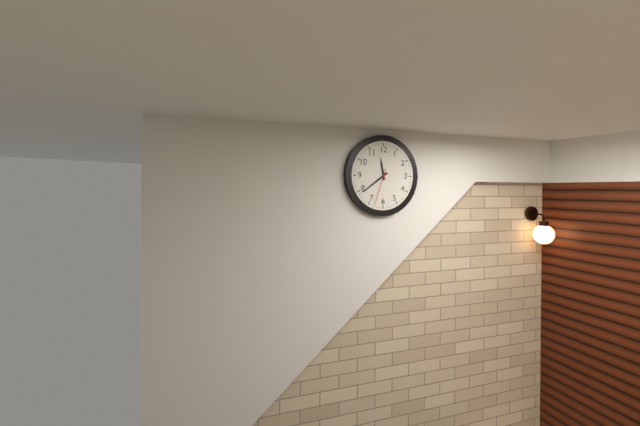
**11:39**
